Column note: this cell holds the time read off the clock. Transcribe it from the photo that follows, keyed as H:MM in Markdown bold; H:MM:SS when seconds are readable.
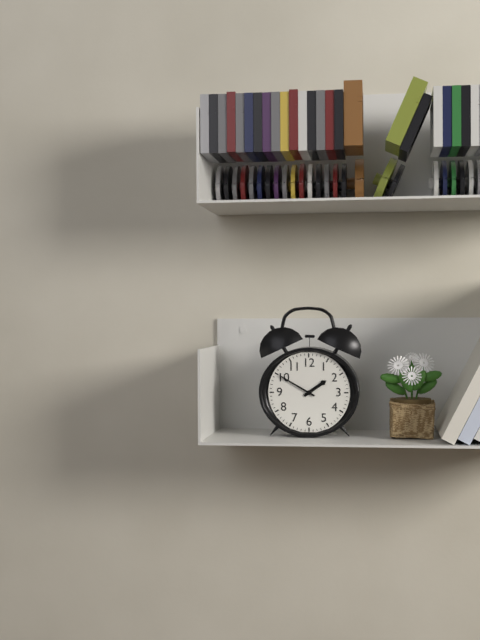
**1:50**
